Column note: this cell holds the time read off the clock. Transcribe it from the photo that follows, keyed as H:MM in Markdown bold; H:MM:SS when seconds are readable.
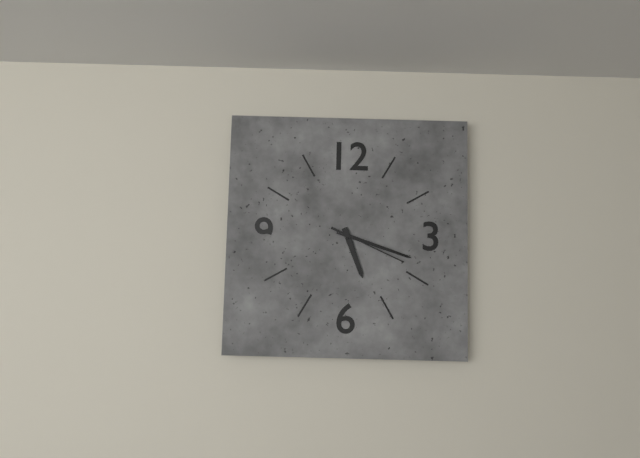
**5:18:19**
